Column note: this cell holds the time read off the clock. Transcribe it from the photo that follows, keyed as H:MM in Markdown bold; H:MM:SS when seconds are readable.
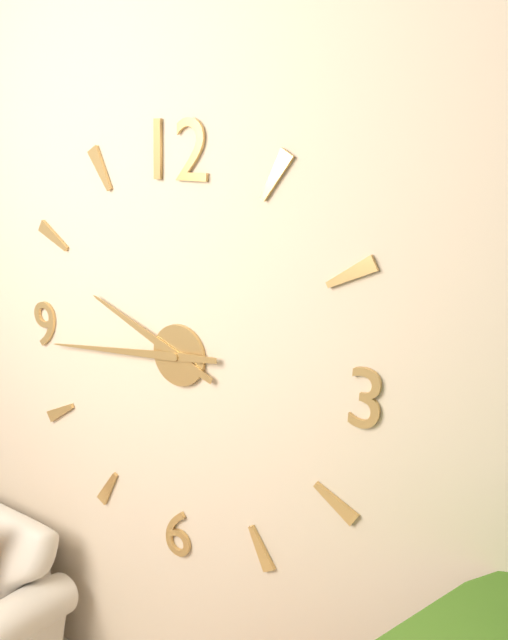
**9:44**
